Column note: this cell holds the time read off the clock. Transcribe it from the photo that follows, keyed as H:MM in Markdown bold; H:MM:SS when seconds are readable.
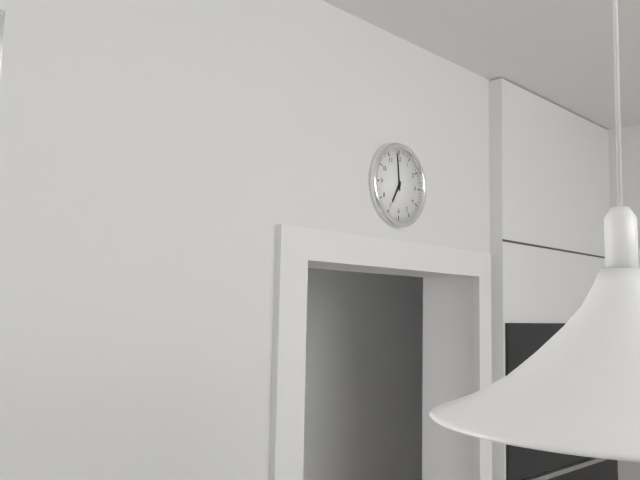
**6:59**
